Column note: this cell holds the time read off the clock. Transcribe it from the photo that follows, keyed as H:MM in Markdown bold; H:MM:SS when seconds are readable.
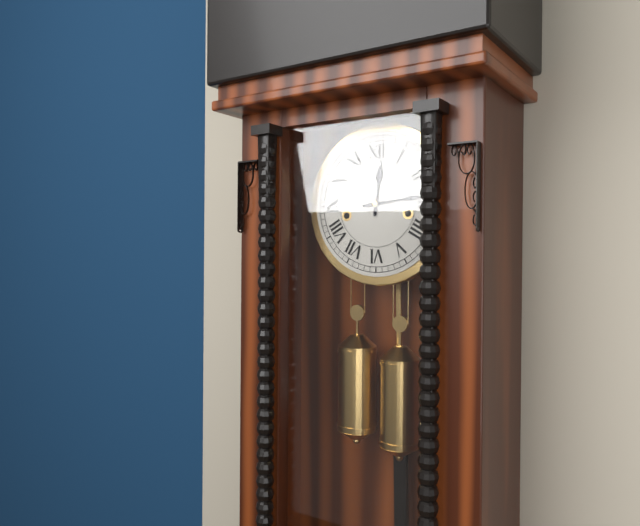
**12:14**
